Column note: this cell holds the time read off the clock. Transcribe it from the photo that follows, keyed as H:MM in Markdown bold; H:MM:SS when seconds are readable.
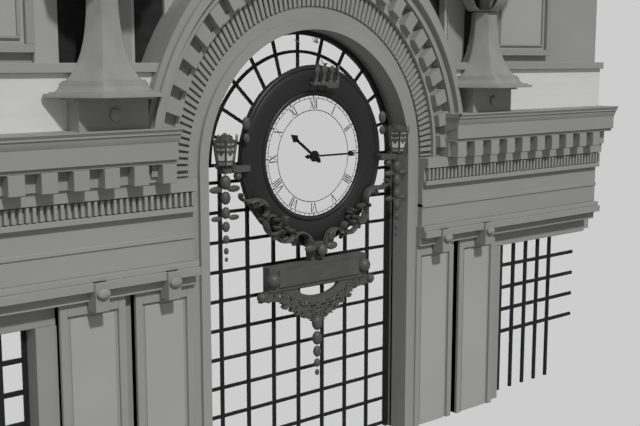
**10:15**
